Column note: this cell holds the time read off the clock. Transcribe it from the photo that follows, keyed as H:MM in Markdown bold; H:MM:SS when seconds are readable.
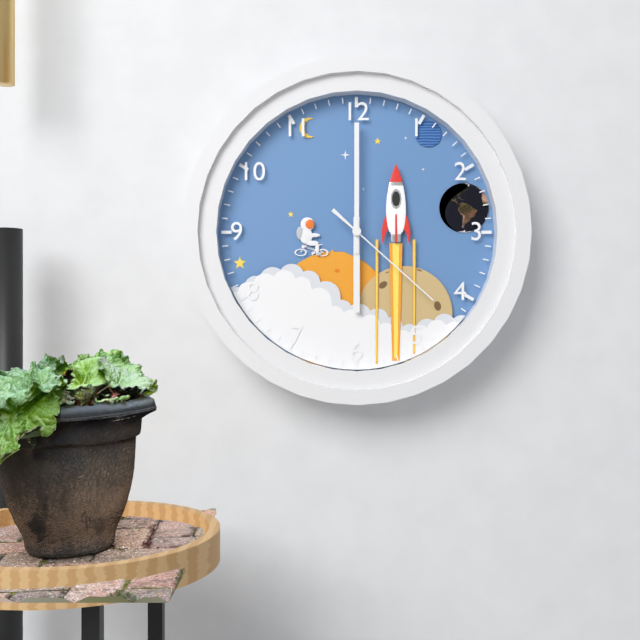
**6:00:22**
